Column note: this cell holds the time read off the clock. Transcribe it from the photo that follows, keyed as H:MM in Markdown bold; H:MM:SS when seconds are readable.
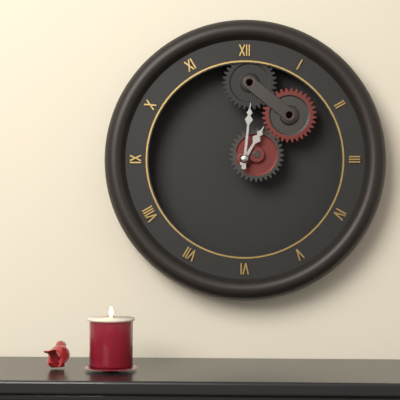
**1:01**
